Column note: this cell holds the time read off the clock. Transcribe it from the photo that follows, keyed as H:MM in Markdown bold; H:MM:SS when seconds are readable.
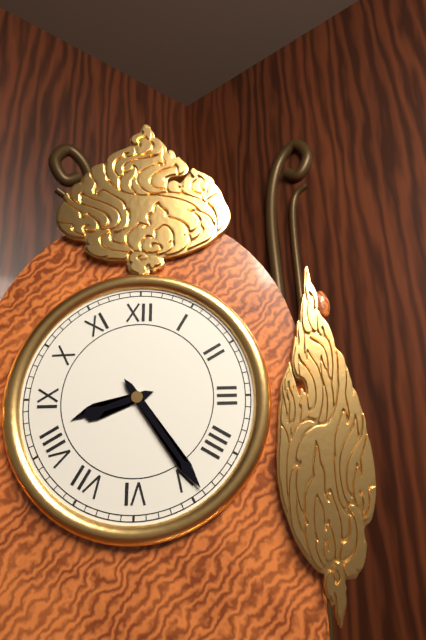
**8:24**
